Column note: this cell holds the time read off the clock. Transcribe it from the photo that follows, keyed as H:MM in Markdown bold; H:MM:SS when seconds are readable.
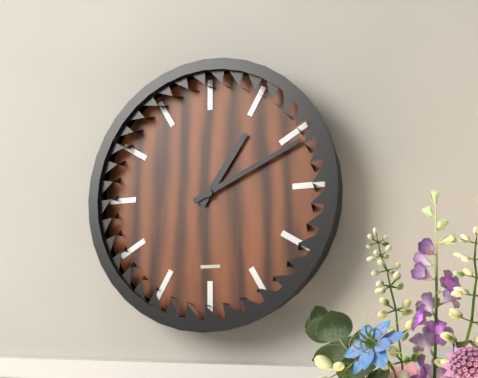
**1:11**
